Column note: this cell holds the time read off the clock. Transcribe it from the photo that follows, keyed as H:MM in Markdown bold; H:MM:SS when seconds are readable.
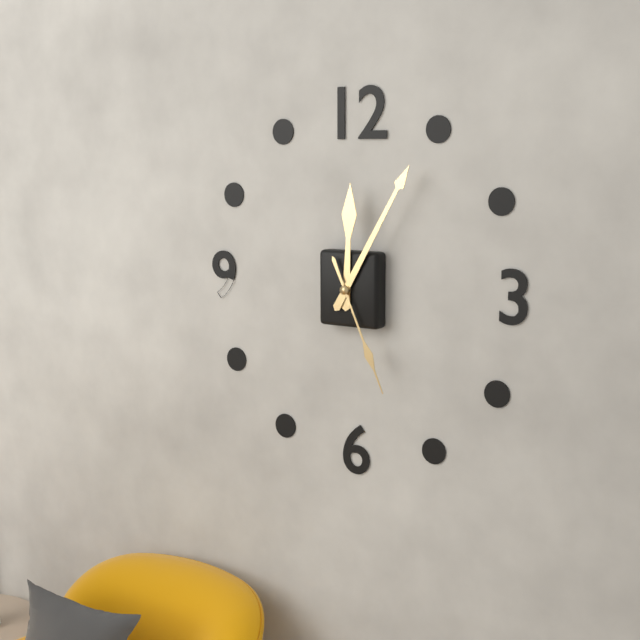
**12:05:26**
